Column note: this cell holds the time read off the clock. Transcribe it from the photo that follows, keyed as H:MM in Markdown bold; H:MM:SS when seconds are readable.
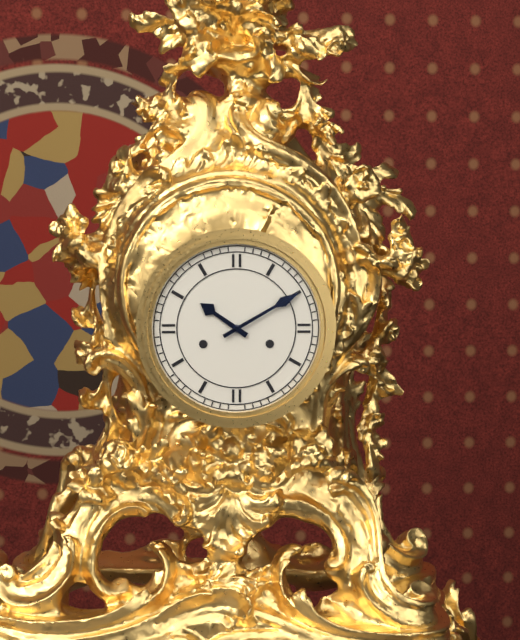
**10:10**
